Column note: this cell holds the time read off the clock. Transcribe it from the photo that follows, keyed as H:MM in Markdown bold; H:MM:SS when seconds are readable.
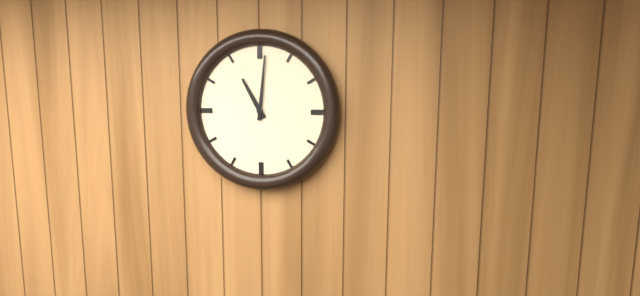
**11:01**
